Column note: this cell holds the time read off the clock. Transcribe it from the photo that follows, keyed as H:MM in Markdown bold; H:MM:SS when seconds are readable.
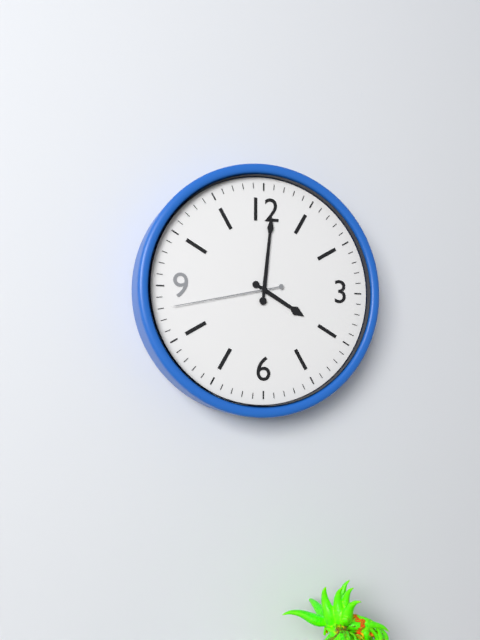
**4:01:43**
